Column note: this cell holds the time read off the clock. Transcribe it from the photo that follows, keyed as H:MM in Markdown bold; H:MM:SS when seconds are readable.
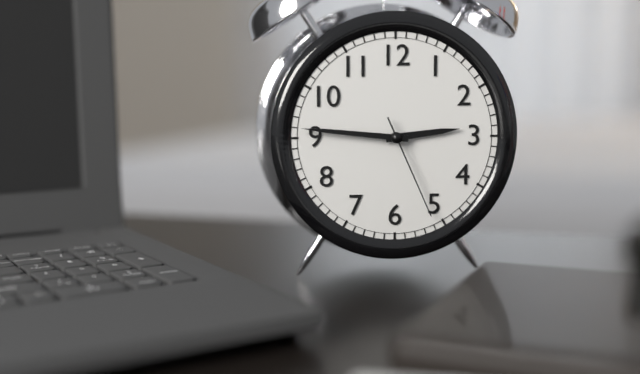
**2:46:26**
